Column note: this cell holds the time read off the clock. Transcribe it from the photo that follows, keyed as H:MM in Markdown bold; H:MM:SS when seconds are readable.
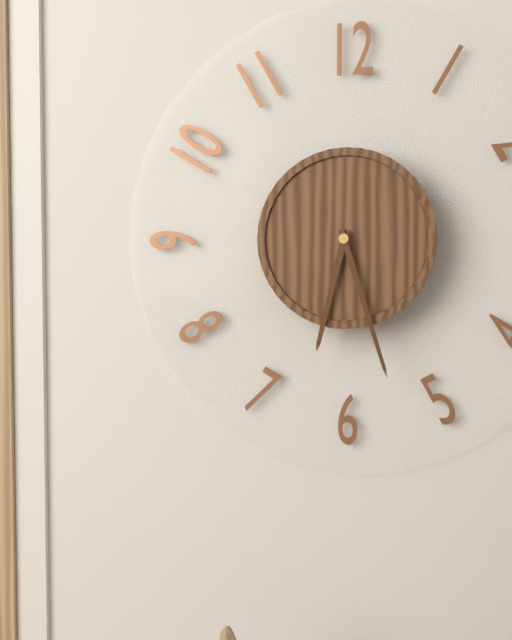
**6:27**
